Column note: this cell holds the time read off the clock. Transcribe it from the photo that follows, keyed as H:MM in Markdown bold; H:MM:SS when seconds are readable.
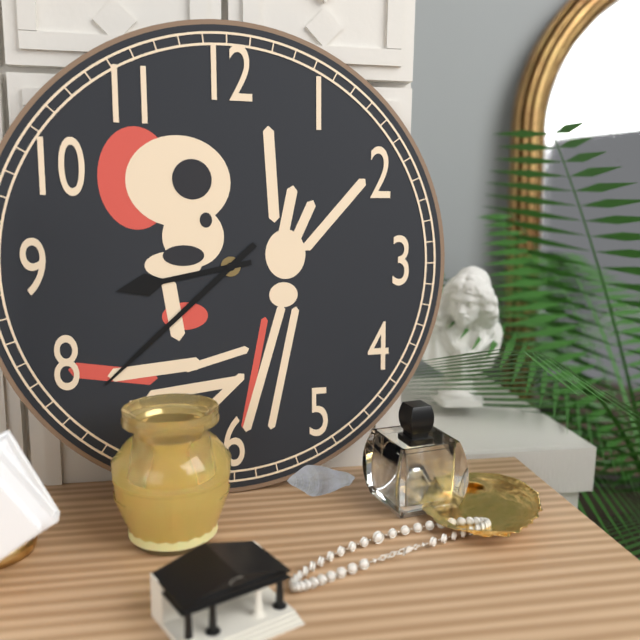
**8:38**
